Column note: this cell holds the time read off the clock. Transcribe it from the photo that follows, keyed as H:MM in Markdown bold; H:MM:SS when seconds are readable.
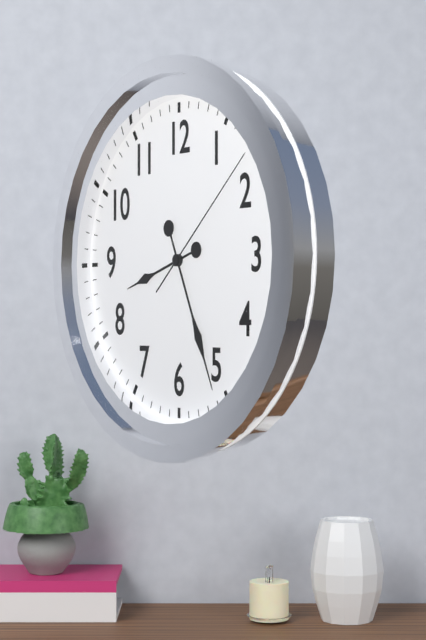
**8:26:08**
